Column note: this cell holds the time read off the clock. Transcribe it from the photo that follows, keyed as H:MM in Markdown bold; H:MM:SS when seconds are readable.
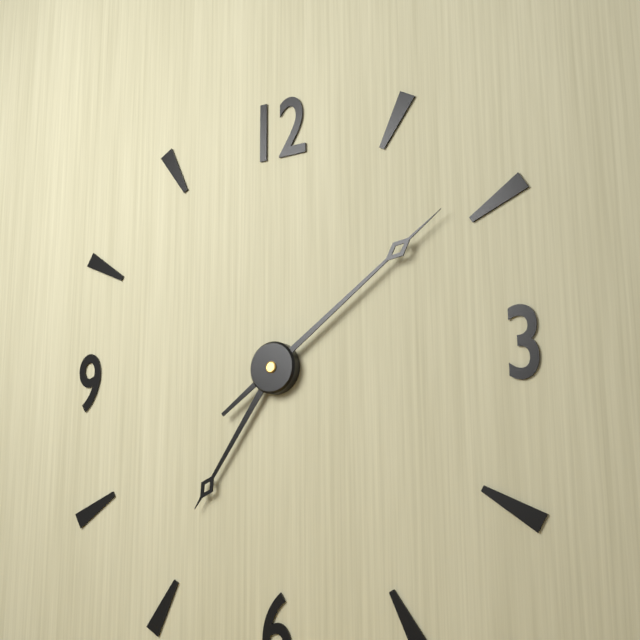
**7:09**
